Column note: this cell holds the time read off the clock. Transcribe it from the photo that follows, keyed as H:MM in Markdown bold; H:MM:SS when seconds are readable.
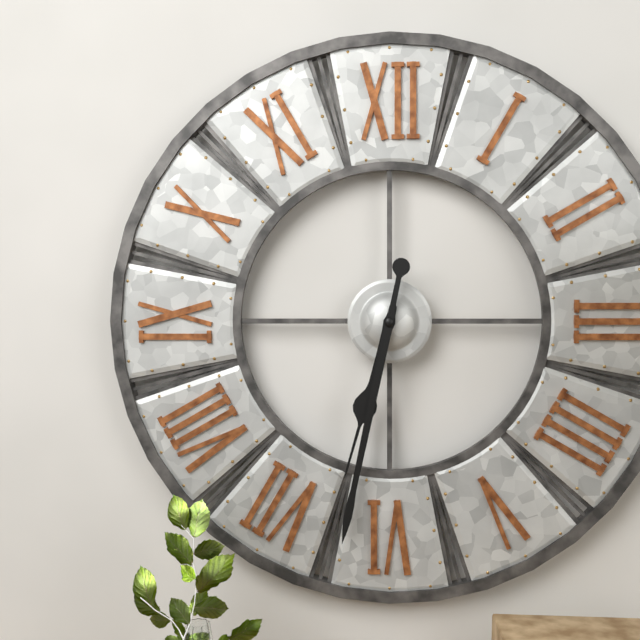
**6:32**
